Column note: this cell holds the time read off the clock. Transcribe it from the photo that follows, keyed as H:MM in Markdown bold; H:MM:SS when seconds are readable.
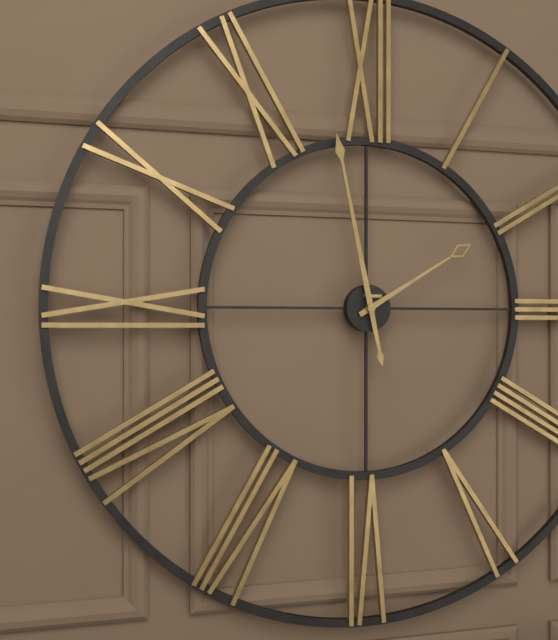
**1:58**
